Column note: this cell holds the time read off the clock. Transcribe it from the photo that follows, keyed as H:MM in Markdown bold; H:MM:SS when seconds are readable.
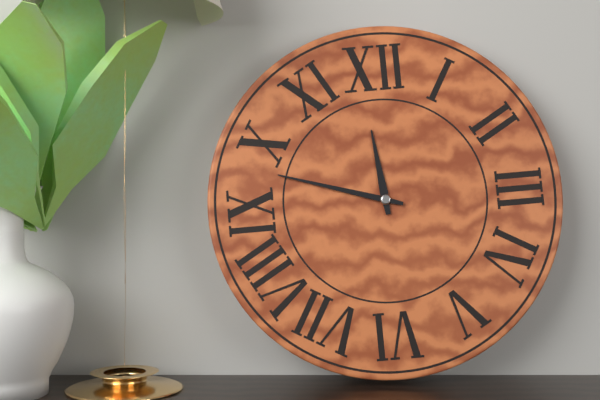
**11:48**
